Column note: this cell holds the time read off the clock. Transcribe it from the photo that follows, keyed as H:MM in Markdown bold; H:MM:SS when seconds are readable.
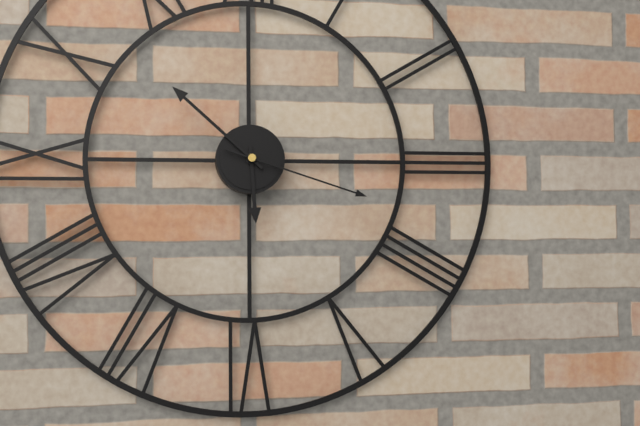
**5:52:18**
